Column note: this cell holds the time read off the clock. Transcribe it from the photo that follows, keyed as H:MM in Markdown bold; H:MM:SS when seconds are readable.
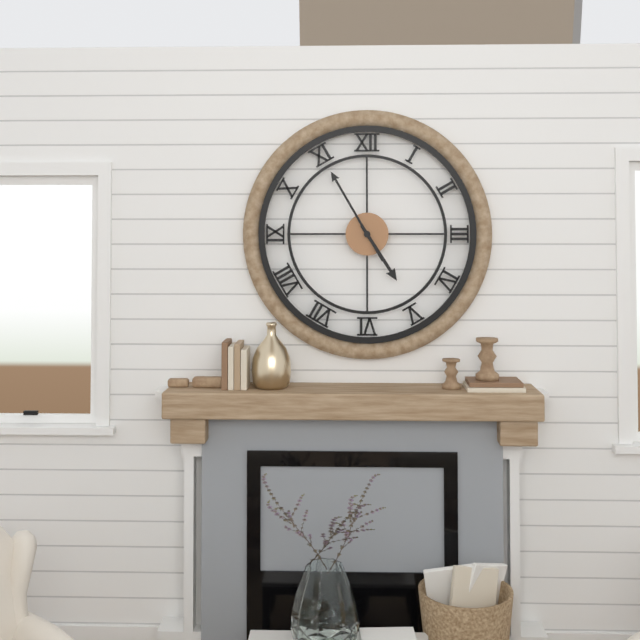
**4:55**
